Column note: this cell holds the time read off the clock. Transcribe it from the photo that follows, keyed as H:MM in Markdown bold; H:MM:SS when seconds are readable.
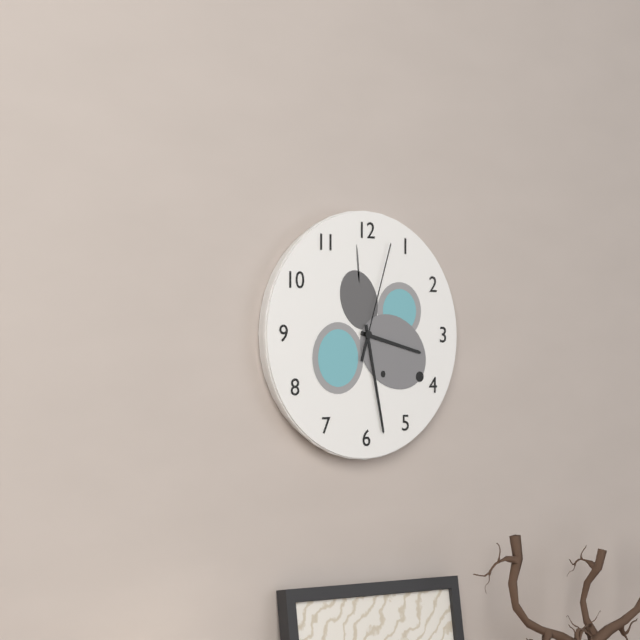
**3:28:03**
